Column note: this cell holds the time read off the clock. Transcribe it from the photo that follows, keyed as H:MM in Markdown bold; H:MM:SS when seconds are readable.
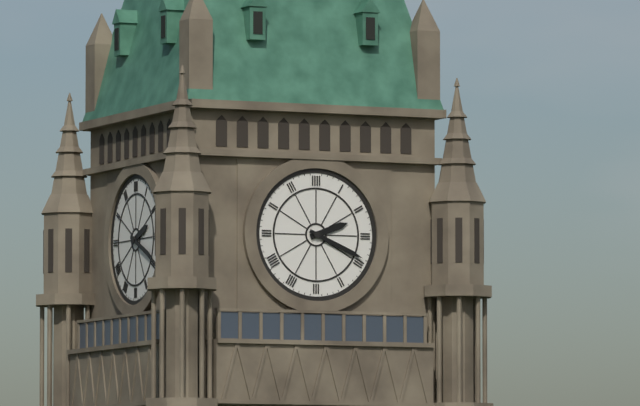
**2:19**
